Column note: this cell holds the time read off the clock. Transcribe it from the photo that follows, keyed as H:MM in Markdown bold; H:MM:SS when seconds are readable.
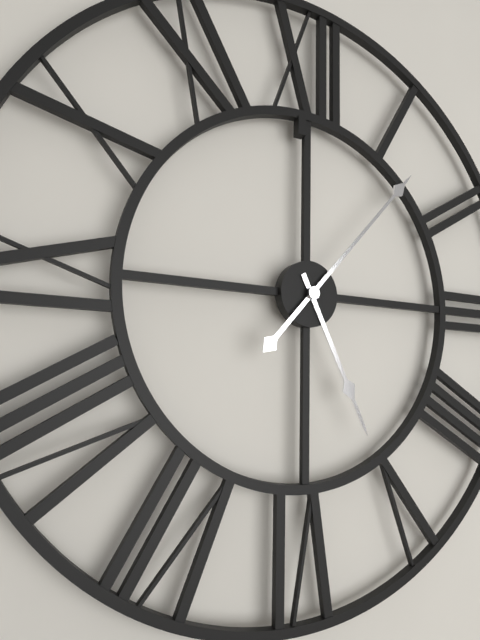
**5:07**
